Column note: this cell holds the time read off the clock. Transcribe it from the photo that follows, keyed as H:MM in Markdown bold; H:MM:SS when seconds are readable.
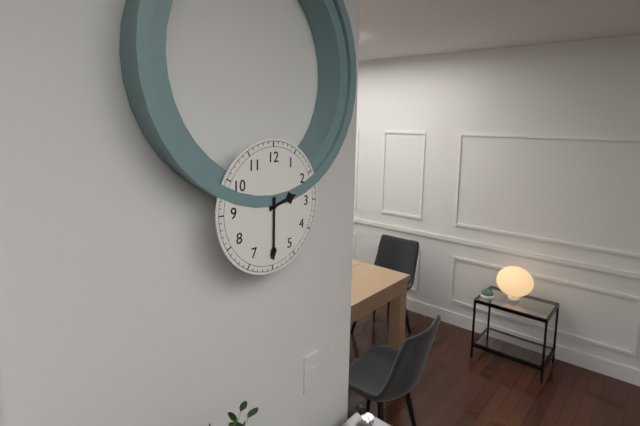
**2:30**
